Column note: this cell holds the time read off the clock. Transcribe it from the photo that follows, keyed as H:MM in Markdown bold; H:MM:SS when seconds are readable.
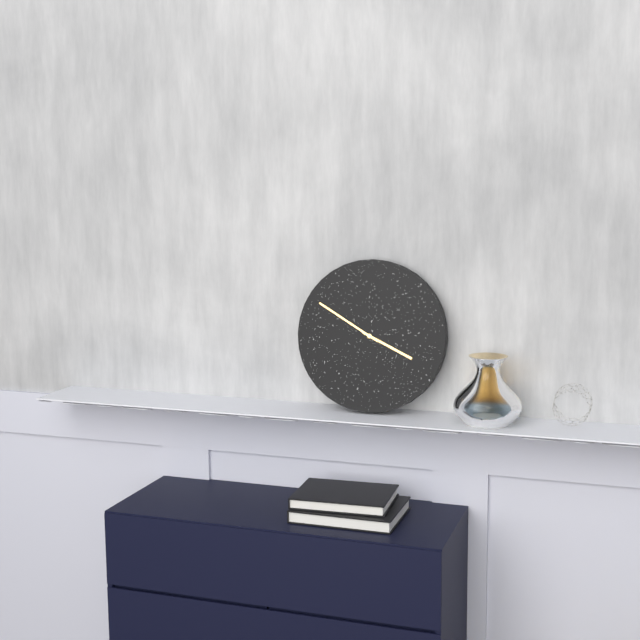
**3:50**
